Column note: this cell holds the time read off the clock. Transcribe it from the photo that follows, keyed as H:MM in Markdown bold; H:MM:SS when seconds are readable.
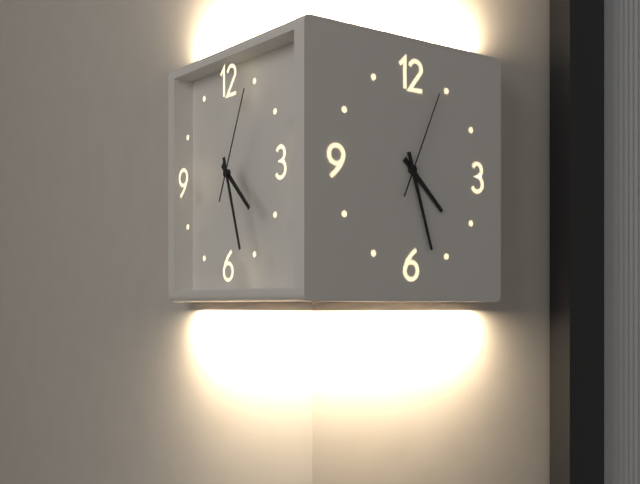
**4:27:04**
